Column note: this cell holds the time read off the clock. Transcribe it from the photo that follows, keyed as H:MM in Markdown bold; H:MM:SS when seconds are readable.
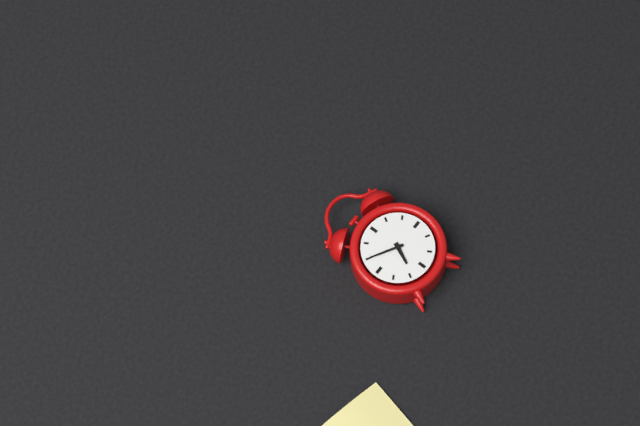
**6:50**
